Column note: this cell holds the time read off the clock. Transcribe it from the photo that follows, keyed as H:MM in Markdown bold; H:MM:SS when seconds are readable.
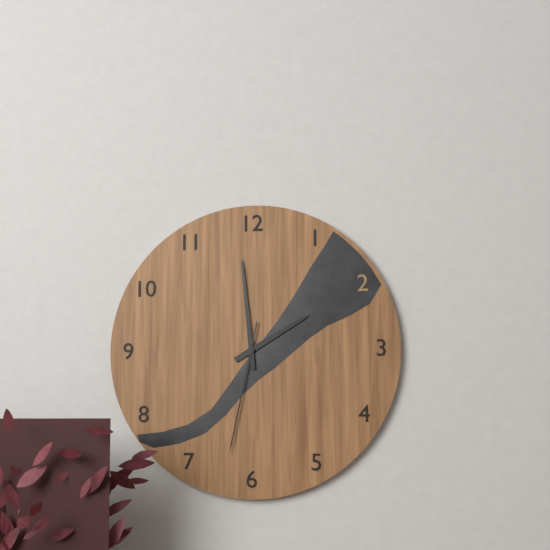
**1:59:32**
